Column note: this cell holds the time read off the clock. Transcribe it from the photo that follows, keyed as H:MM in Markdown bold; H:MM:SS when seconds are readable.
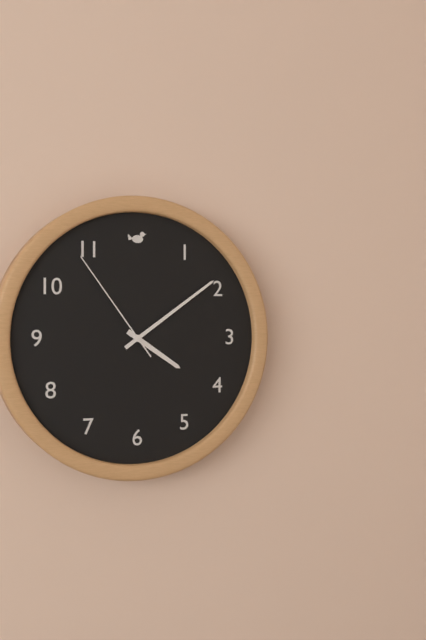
**4:09:54**
